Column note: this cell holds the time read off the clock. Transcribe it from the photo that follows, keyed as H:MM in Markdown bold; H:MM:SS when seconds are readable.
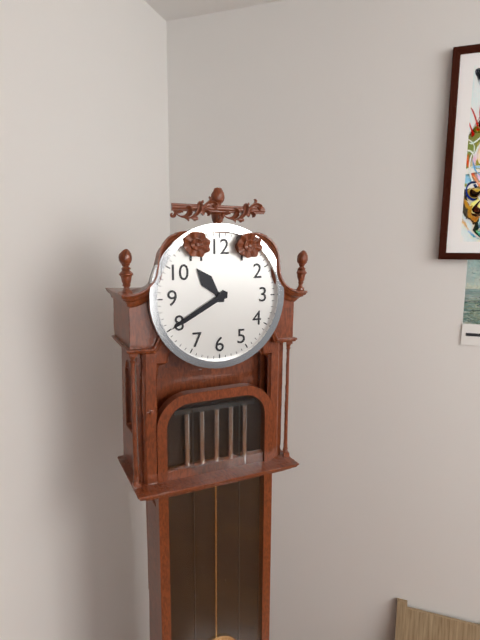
**10:40**
